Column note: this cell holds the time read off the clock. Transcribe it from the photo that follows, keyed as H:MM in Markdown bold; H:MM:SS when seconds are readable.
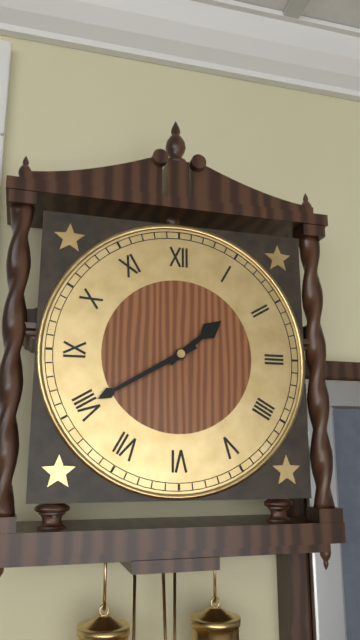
**1:40**
